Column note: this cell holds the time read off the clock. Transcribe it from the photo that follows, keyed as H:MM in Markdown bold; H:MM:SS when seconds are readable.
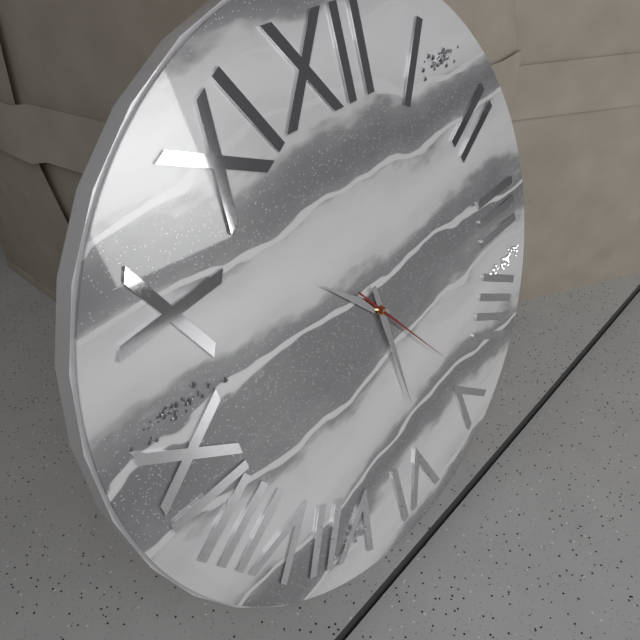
**10:29:24**
